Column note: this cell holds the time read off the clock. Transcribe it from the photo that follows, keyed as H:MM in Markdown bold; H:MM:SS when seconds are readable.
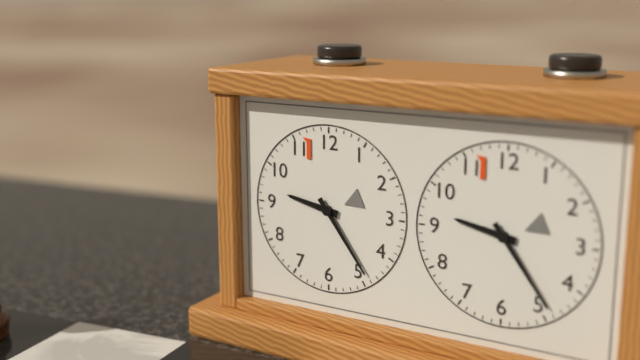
**9:24**
